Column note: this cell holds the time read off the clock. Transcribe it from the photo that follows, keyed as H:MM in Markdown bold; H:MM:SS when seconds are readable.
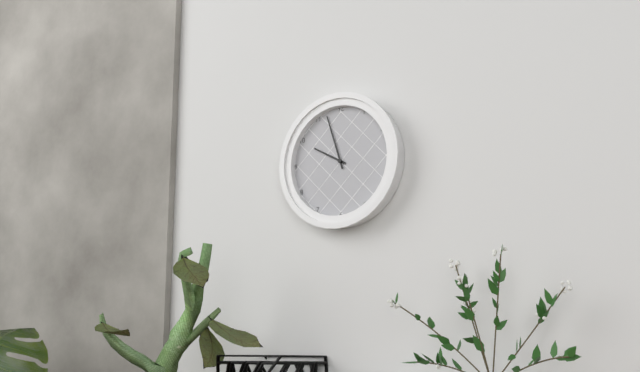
**9:57**
